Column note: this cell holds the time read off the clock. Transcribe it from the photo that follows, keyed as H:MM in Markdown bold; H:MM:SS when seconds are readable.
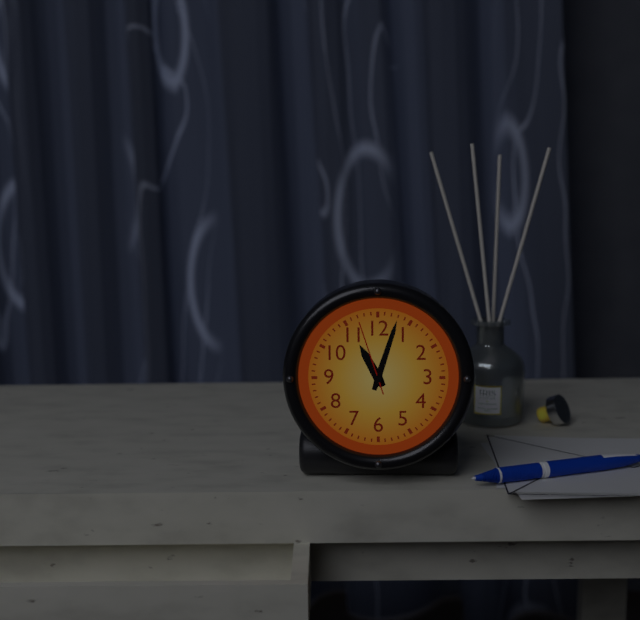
**11:03:57**
